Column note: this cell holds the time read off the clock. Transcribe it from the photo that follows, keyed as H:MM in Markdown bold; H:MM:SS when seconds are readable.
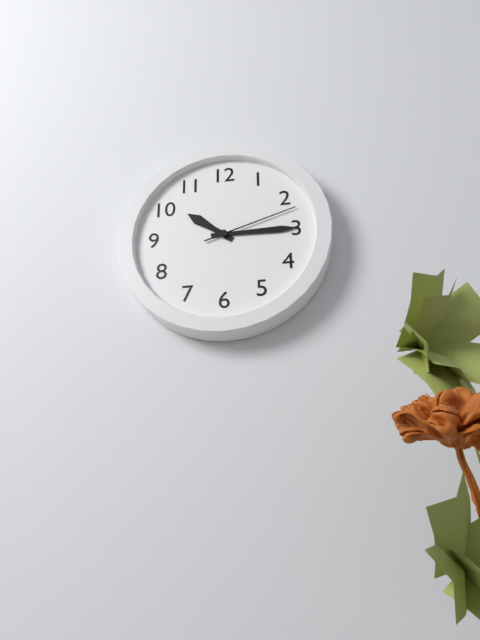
**10:15:12**
